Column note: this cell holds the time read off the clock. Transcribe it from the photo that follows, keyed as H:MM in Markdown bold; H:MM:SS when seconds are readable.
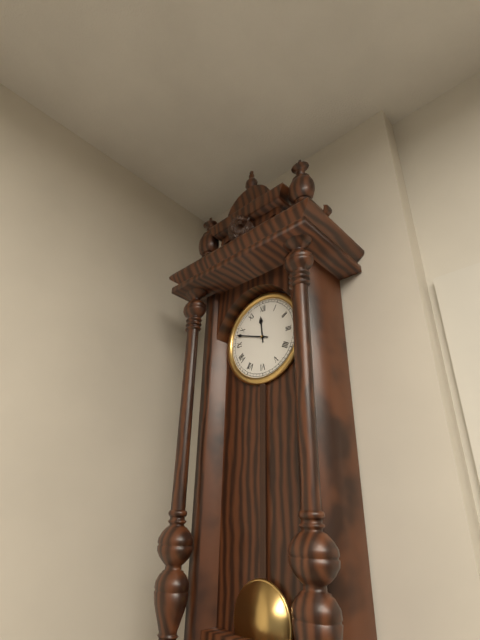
**11:48**
